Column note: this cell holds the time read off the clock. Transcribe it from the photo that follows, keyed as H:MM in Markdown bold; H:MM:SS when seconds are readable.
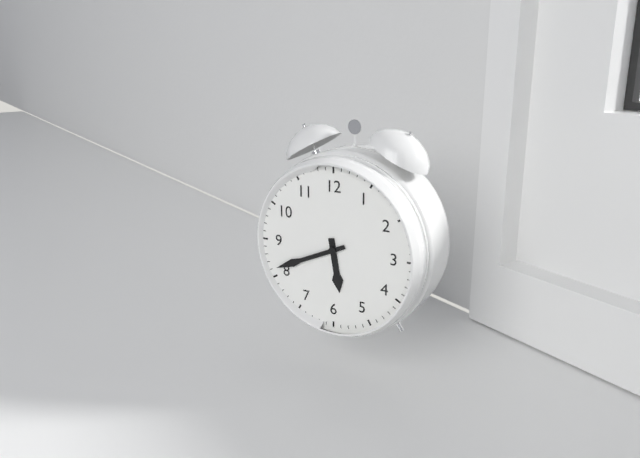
**5:41**
